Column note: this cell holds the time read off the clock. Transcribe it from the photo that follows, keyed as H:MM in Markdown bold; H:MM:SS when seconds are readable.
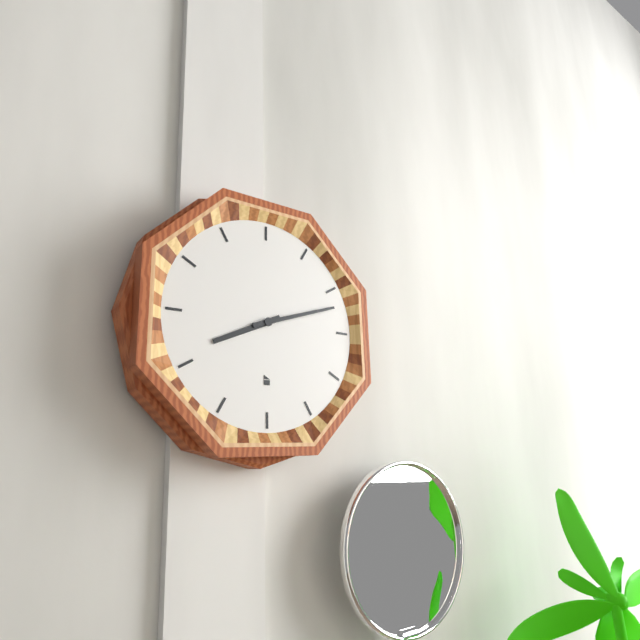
**8:12**
